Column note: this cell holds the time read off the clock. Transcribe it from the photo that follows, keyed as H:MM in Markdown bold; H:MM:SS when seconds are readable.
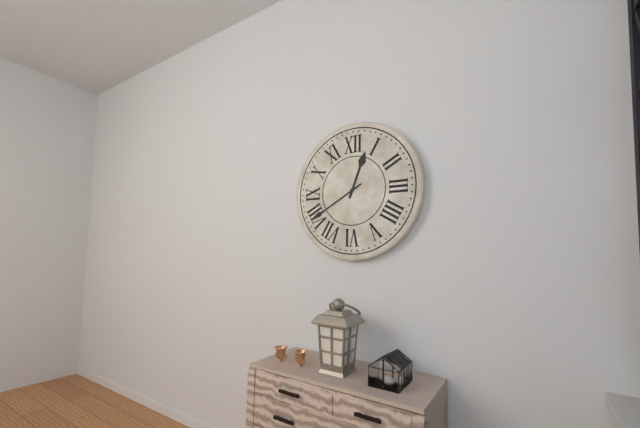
**12:40**
